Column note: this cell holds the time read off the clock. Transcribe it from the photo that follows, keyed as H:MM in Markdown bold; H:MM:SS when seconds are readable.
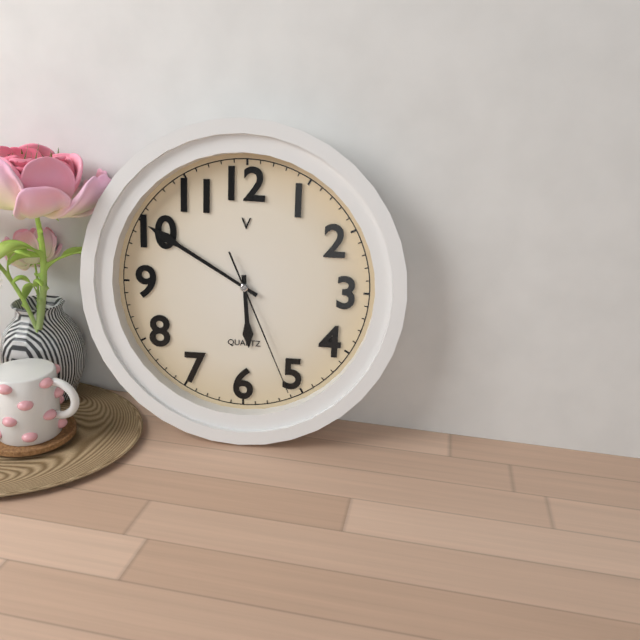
**5:50:26**
